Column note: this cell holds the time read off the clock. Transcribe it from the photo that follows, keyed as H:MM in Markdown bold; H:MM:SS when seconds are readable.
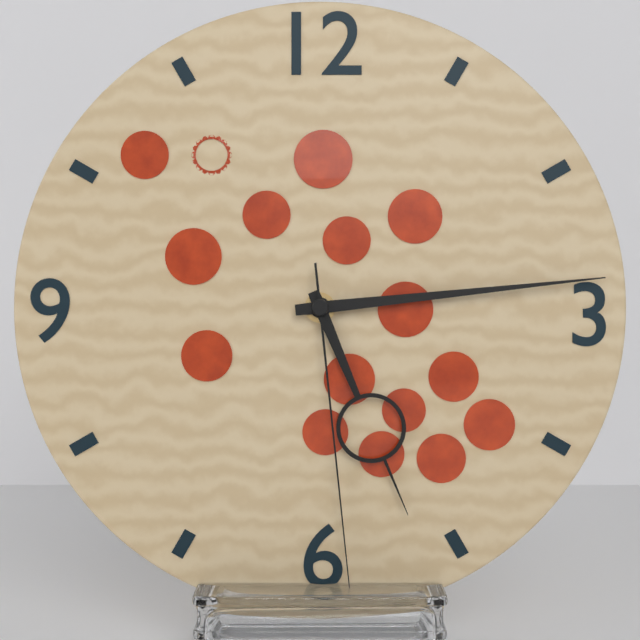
**5:14:29**
